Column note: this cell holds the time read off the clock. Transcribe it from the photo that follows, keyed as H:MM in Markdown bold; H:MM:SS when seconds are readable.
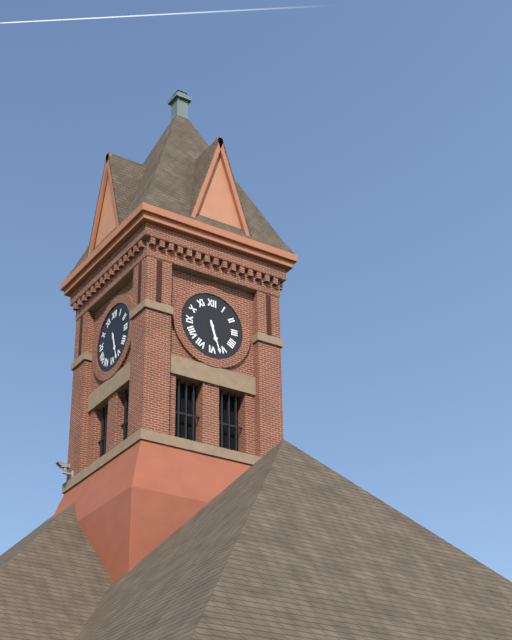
**5:27**
